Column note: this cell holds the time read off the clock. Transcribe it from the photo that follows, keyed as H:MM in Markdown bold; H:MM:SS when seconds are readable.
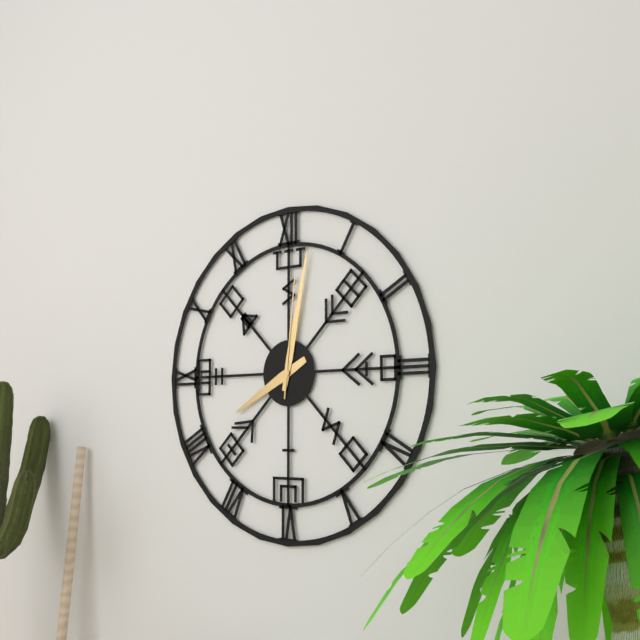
**8:02:01**
